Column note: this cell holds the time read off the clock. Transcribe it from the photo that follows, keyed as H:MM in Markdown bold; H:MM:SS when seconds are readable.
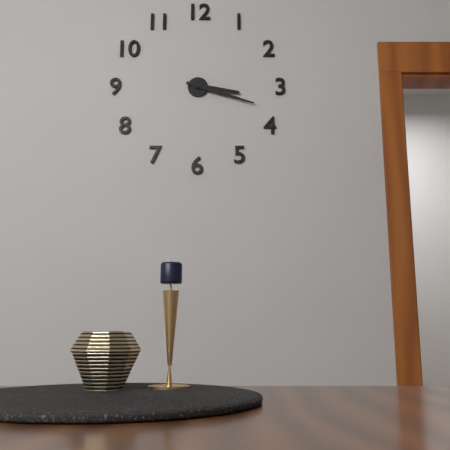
**3:18**
